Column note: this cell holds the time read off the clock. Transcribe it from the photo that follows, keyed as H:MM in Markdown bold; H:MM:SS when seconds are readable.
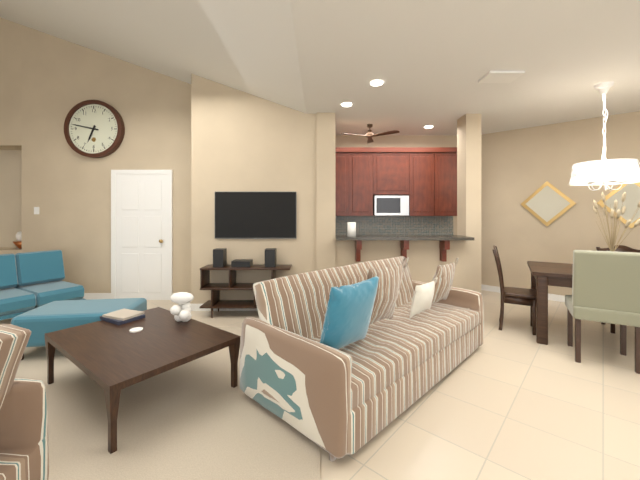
**6:47**
